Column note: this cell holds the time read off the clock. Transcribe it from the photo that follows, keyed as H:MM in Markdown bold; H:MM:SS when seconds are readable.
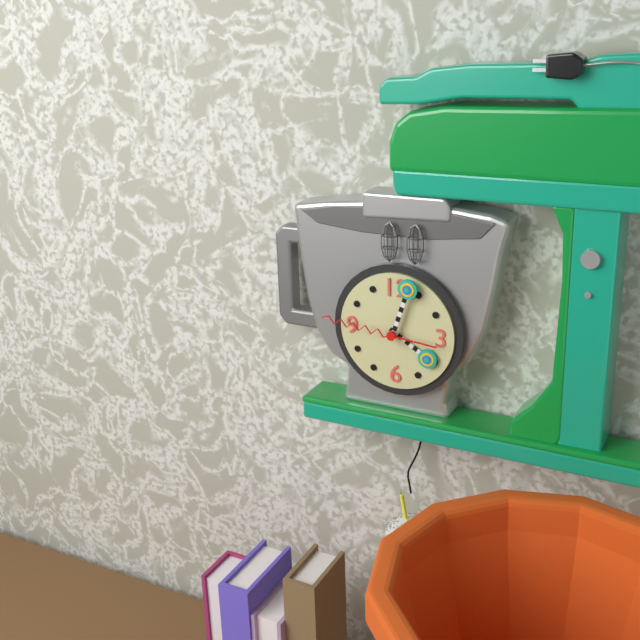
**4:03:46**
